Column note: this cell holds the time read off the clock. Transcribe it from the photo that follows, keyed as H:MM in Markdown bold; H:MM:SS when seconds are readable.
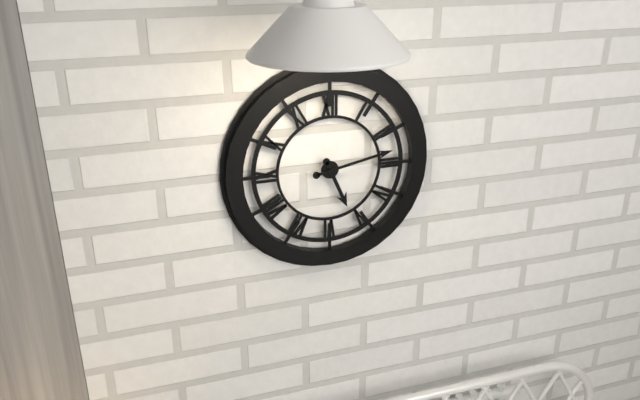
**5:13**
